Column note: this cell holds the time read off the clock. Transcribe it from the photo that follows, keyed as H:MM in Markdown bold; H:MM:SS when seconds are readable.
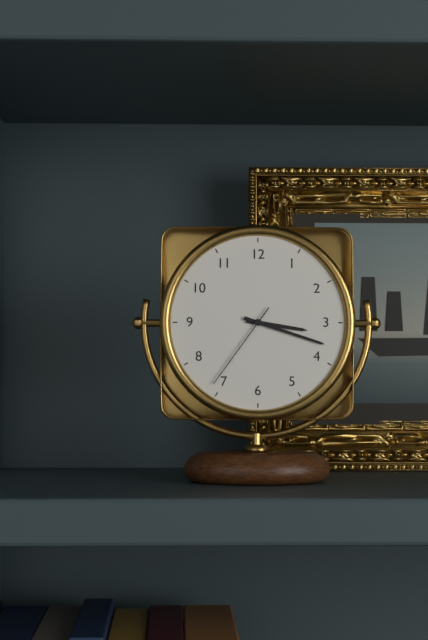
**3:18:36**
